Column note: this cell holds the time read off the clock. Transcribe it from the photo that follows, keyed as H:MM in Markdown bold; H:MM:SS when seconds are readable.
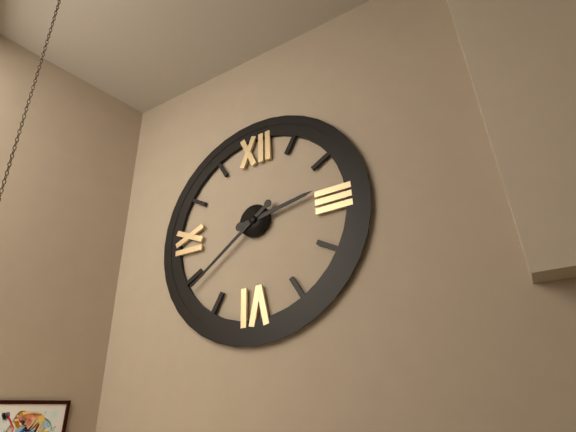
**2:39**
